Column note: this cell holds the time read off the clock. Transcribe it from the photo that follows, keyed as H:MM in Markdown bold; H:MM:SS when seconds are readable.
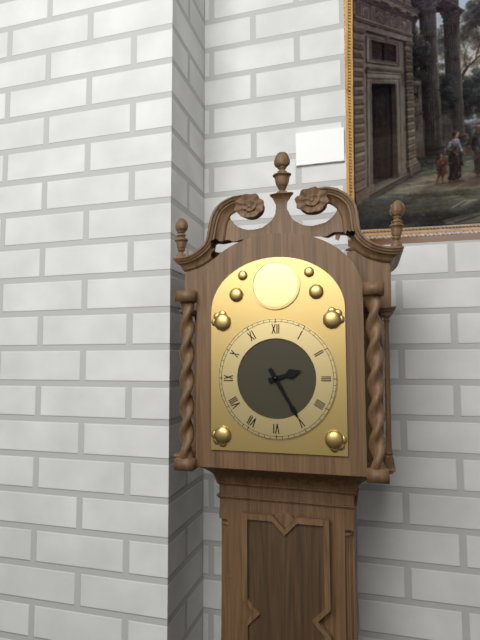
**2:25**
